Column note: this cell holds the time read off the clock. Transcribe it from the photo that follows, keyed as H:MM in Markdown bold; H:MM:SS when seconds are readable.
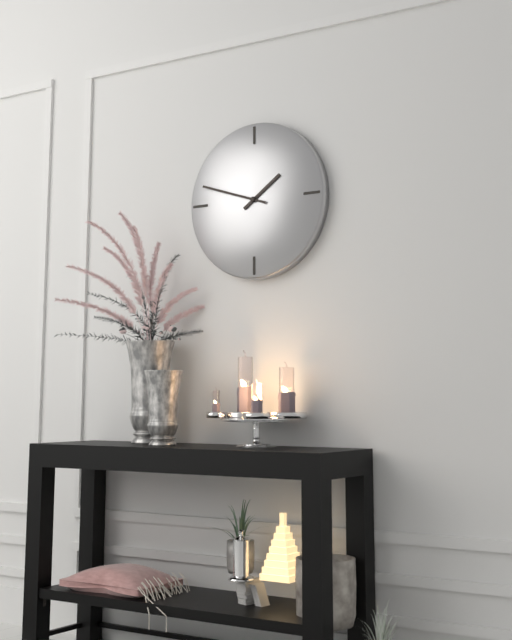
**1:48**
